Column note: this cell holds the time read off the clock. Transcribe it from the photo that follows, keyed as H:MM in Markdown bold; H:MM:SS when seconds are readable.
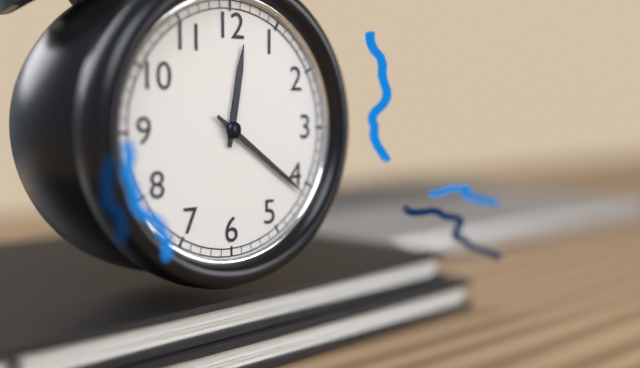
**12:21**
